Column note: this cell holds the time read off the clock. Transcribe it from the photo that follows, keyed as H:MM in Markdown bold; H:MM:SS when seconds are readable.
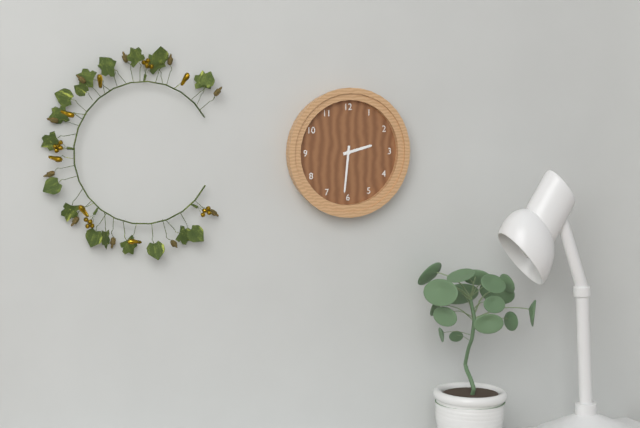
**2:31**
